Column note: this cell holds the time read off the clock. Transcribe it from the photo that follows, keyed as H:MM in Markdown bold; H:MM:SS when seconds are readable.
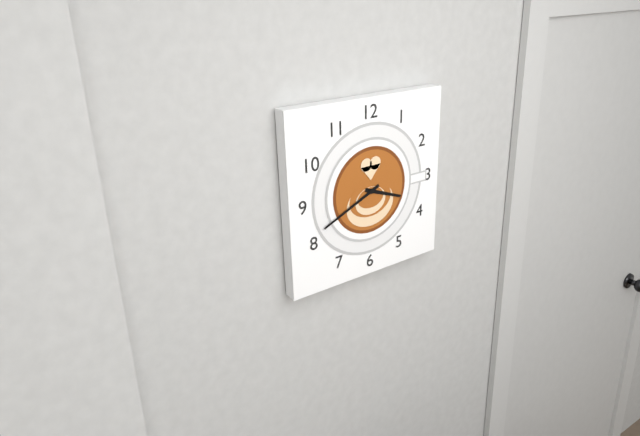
**3:41**
